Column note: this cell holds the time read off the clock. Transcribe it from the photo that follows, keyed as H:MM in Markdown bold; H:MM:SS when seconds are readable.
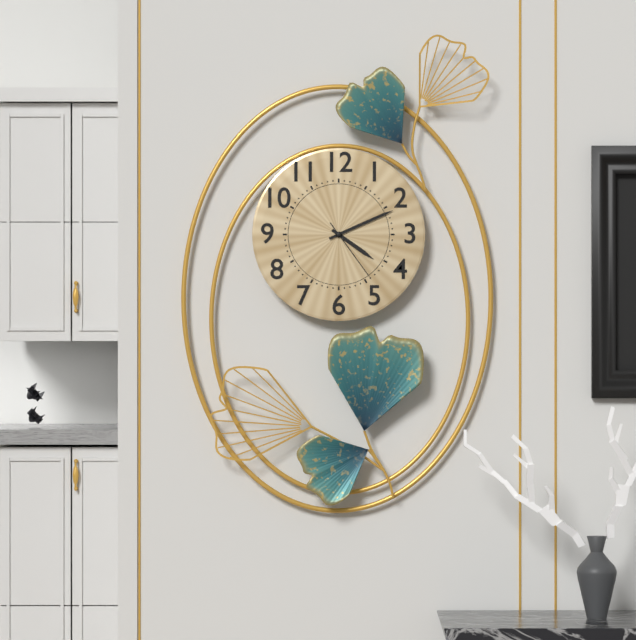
**4:11:24**
